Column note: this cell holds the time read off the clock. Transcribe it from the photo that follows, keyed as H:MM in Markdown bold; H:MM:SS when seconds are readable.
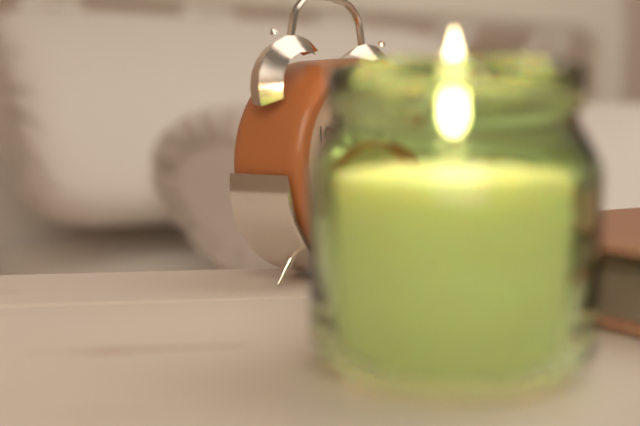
**8:41**
